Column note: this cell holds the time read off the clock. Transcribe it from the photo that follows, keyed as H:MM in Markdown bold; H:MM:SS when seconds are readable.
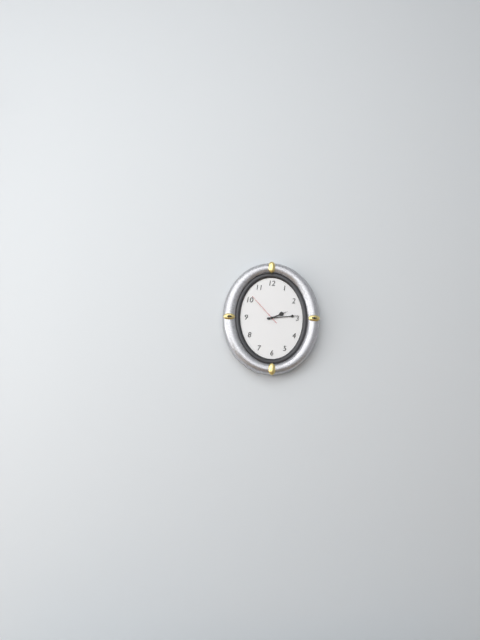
**2:14**
